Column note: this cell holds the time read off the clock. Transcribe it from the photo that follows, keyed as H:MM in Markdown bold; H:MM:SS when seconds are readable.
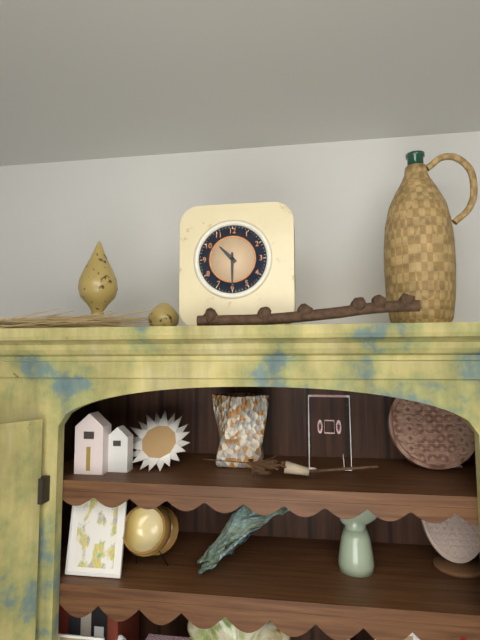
**10:30**
